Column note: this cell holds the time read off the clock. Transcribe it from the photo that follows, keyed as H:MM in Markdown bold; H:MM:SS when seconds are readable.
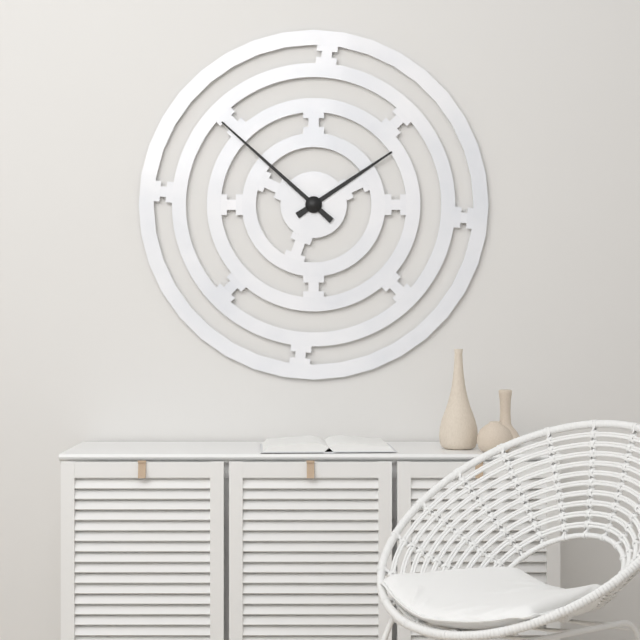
**1:52**
